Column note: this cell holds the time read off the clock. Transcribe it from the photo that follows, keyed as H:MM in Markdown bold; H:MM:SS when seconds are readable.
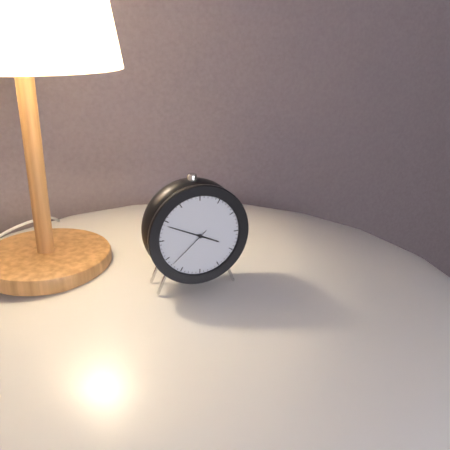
**3:49**
